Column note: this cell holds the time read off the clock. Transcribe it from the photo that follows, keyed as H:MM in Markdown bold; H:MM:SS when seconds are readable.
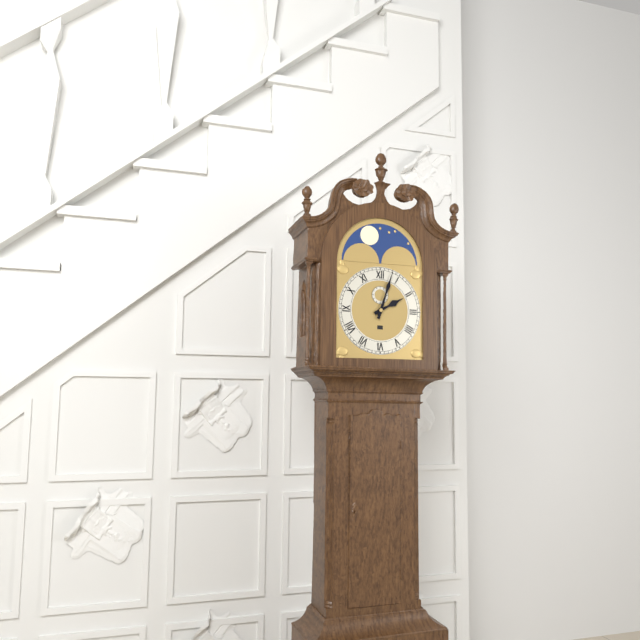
**2:03**
